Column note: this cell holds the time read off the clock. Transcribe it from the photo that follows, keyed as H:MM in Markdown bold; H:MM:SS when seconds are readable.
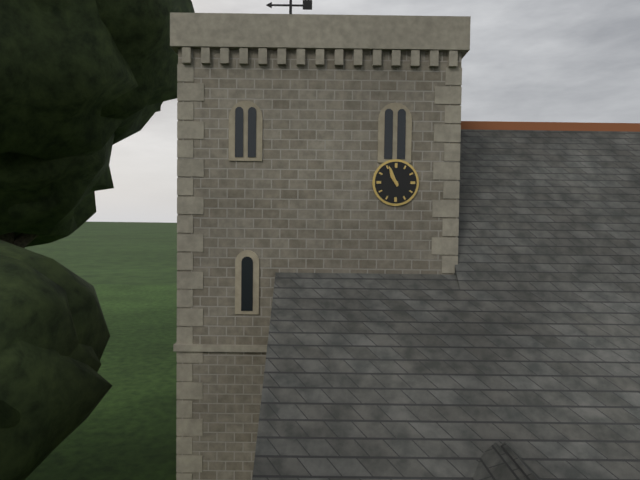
**10:56**
